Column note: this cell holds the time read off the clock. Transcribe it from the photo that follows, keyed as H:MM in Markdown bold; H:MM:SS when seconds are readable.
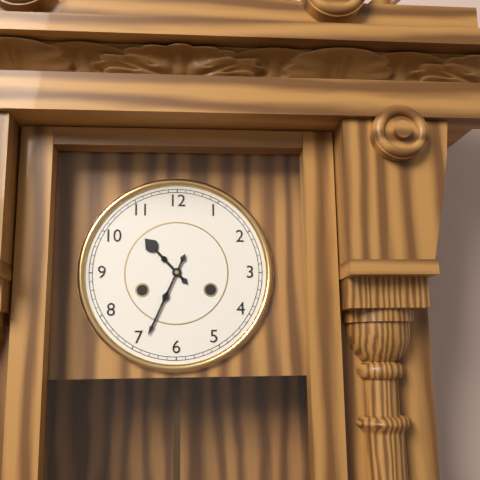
**10:34**
